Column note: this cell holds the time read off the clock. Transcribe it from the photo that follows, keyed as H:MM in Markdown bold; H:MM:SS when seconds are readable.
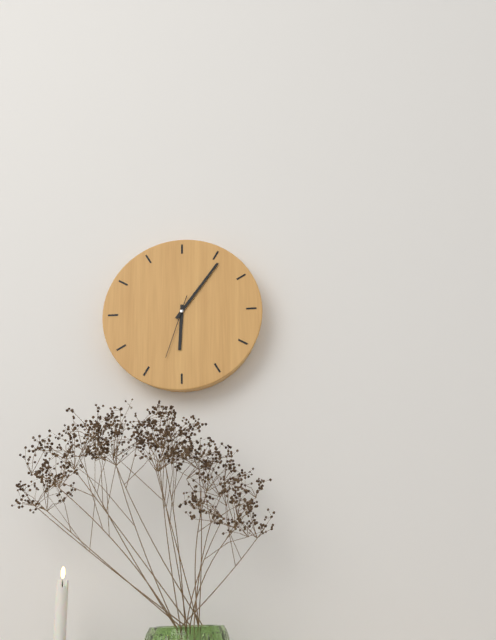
**6:06:33**
